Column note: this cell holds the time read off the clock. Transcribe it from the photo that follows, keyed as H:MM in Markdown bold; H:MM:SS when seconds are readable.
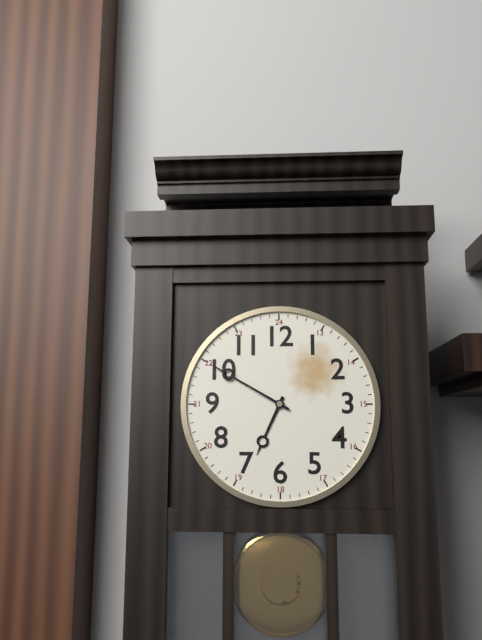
**6:50**
